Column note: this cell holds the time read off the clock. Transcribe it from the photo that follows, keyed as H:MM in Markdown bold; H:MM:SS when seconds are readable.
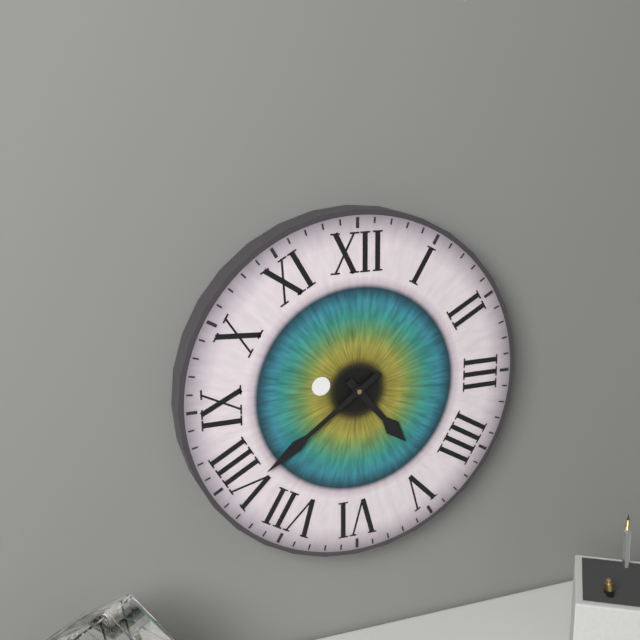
**4:39**
